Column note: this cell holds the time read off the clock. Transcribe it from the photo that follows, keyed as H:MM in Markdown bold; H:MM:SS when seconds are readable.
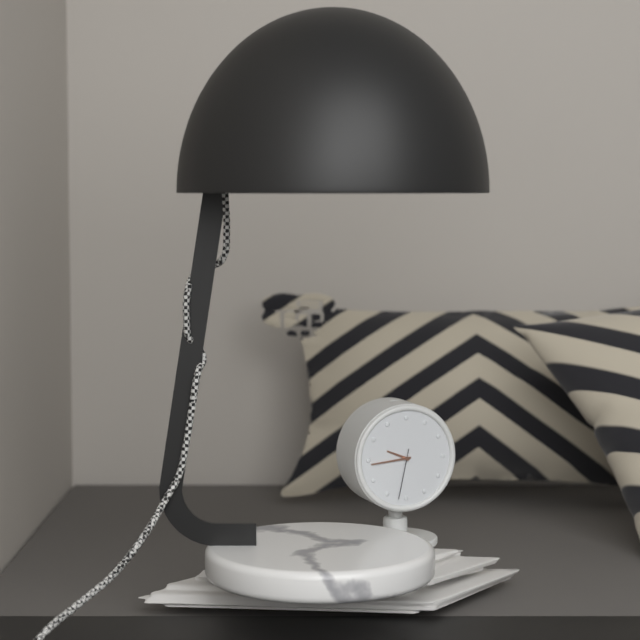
**9:44:32**
